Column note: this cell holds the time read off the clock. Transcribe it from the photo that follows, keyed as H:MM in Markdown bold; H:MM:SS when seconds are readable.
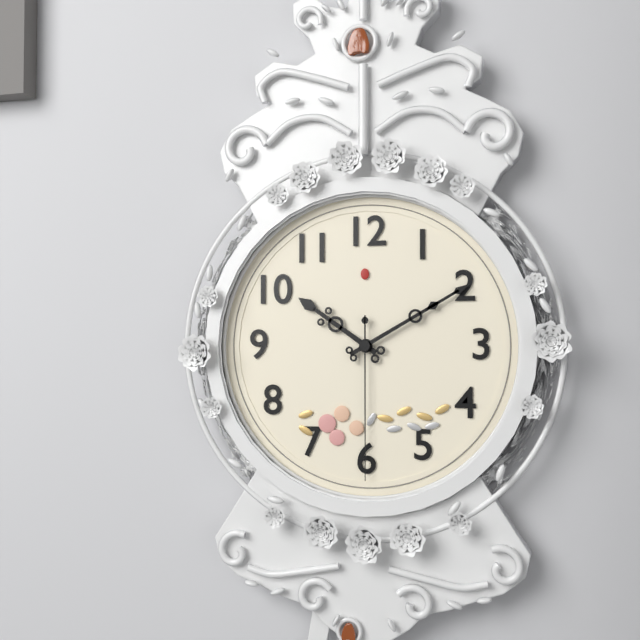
**10:10:30**
